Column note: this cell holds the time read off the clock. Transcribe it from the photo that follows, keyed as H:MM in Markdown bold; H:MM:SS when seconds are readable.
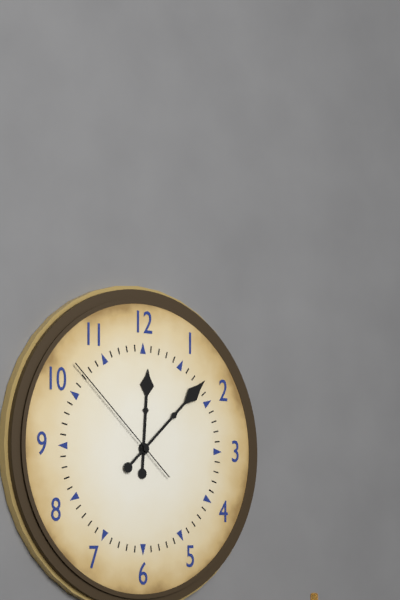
**12:08:52**
